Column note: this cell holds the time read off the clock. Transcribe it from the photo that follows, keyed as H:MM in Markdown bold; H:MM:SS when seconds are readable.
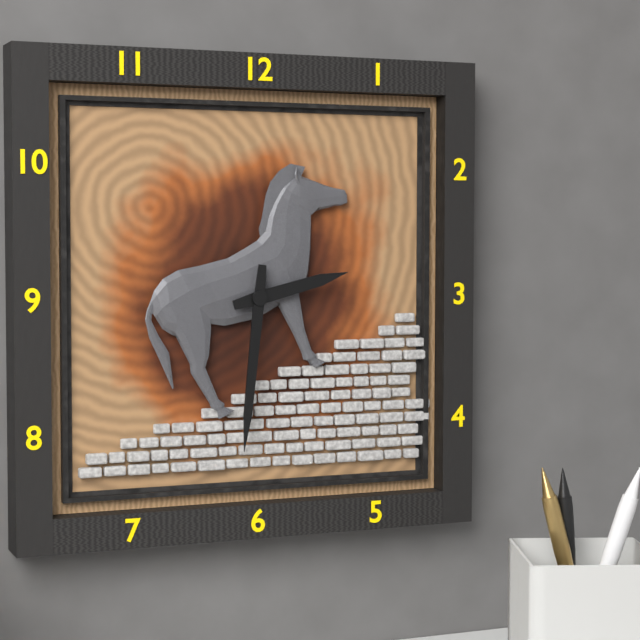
**2:31**
